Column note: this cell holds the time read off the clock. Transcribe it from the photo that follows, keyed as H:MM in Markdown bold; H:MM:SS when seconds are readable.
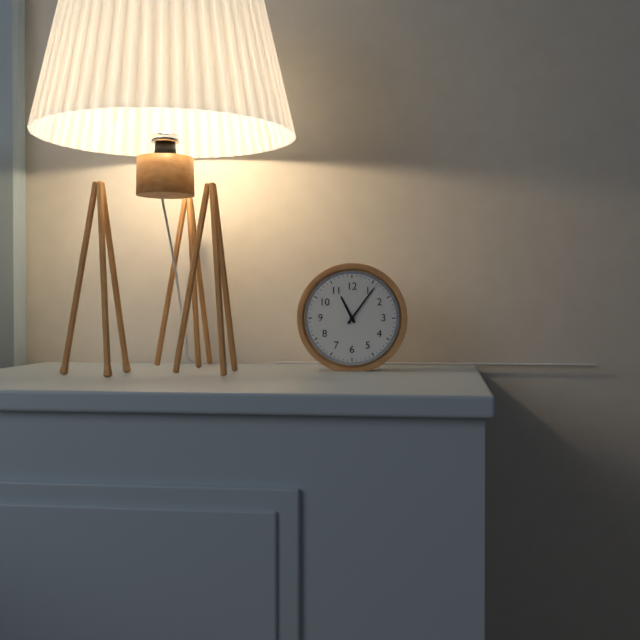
**11:06**
